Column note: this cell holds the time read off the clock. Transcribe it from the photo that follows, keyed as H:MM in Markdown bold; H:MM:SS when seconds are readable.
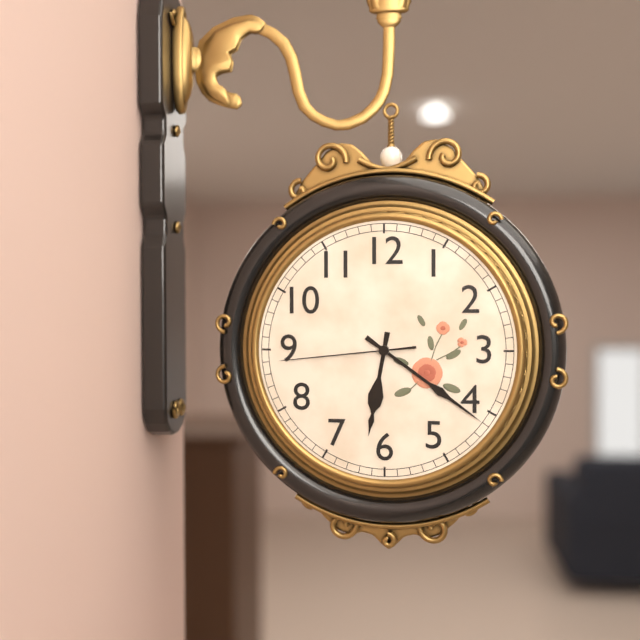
**6:21:44**
